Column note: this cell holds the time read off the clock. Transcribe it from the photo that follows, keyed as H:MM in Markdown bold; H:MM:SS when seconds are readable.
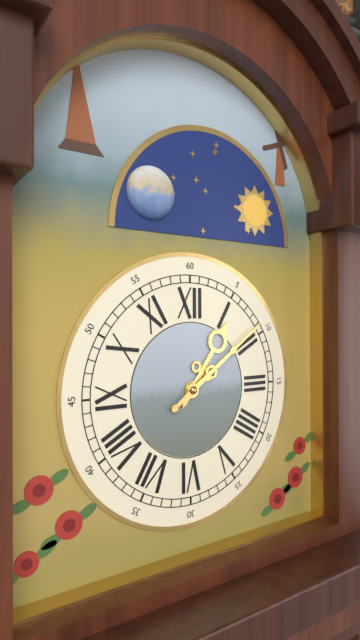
**1:09**
